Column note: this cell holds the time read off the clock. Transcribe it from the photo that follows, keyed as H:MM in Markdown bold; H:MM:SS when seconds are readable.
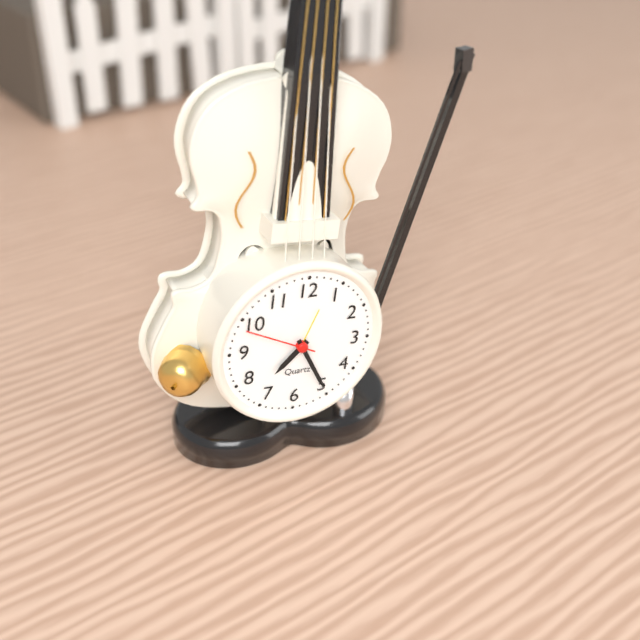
**7:25:49**
